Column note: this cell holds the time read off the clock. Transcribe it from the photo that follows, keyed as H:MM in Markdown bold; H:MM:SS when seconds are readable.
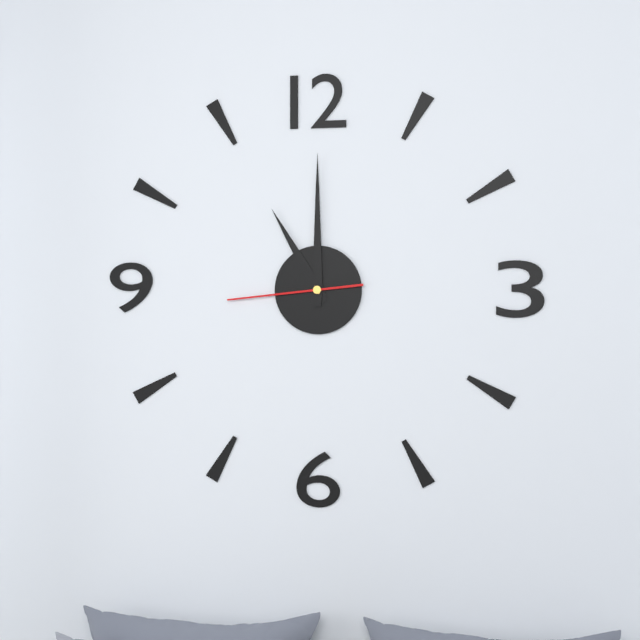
**11:00:44**
